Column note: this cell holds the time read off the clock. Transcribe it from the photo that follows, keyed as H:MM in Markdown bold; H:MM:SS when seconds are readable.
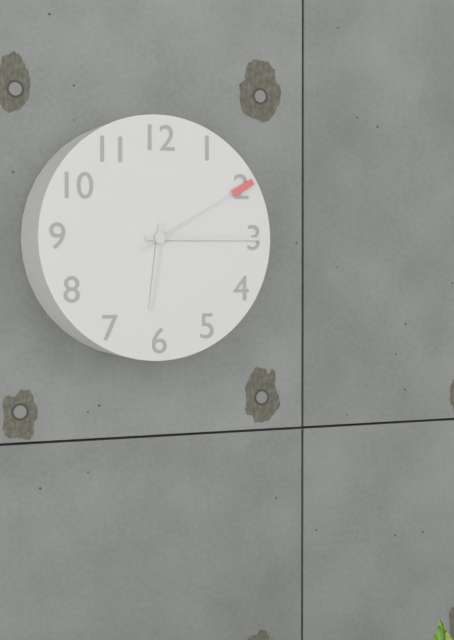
**6:15:10**
